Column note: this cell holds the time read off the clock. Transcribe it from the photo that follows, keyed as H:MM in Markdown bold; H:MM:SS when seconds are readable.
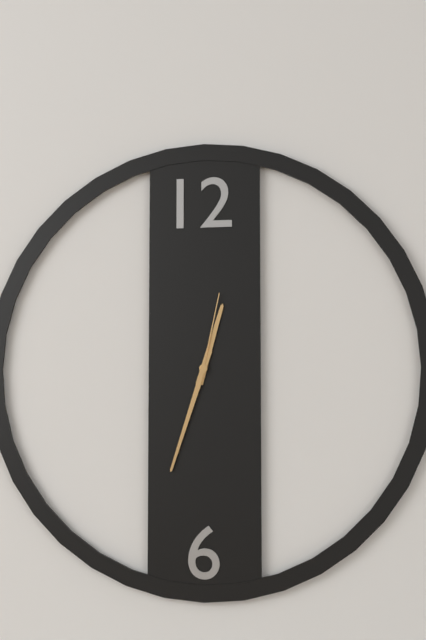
**12:33:02**
